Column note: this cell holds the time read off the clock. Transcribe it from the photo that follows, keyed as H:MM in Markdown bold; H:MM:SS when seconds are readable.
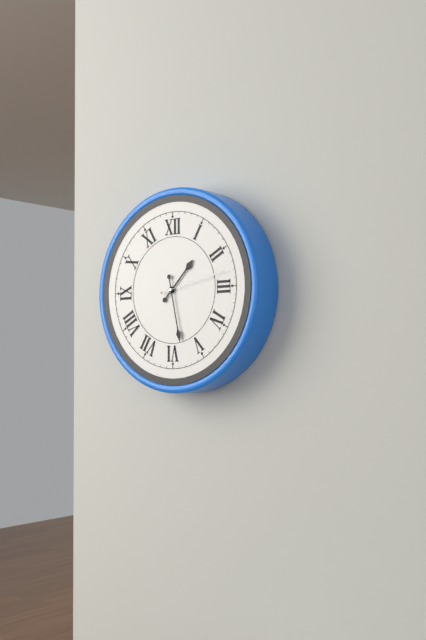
**1:28:13**
